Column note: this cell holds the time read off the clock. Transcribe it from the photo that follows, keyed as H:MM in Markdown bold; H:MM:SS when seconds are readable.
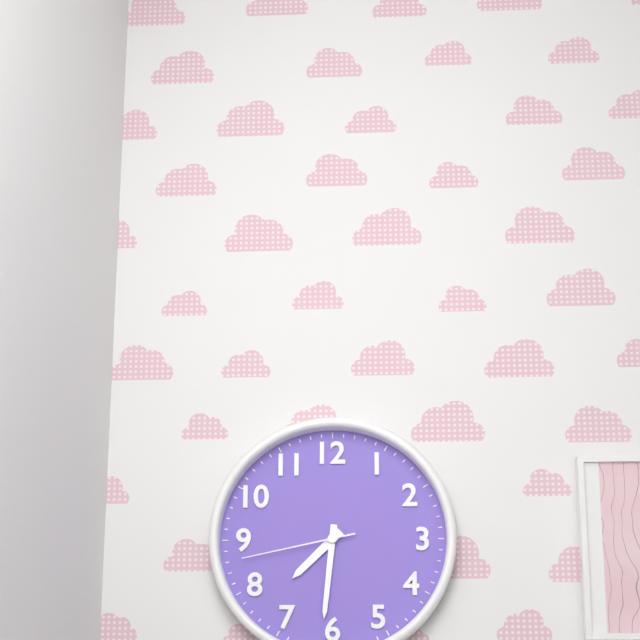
**7:31:43**
